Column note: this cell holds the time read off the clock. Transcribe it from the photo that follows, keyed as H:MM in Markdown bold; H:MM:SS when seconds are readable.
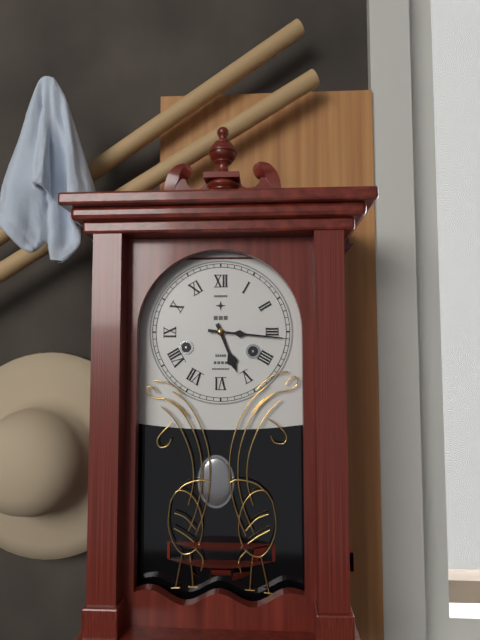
**5:16**
